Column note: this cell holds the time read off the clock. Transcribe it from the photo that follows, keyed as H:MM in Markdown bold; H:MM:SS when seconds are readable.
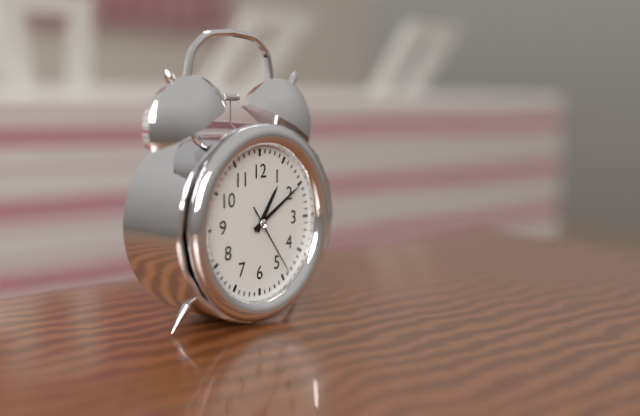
**1:10:24**
